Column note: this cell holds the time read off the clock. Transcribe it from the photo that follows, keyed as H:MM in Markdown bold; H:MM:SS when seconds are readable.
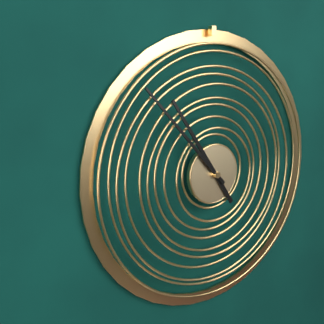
**10:53**
